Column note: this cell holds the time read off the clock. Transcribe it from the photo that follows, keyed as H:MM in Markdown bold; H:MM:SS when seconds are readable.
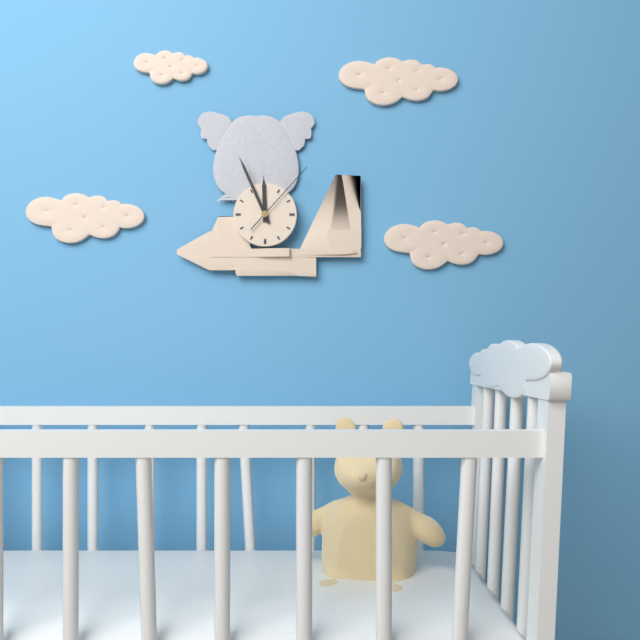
**11:56:07**
